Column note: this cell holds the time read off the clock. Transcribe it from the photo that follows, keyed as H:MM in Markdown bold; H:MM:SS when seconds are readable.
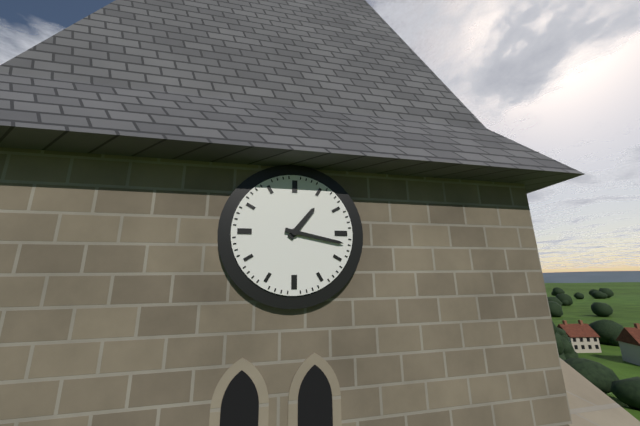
**1:17**
